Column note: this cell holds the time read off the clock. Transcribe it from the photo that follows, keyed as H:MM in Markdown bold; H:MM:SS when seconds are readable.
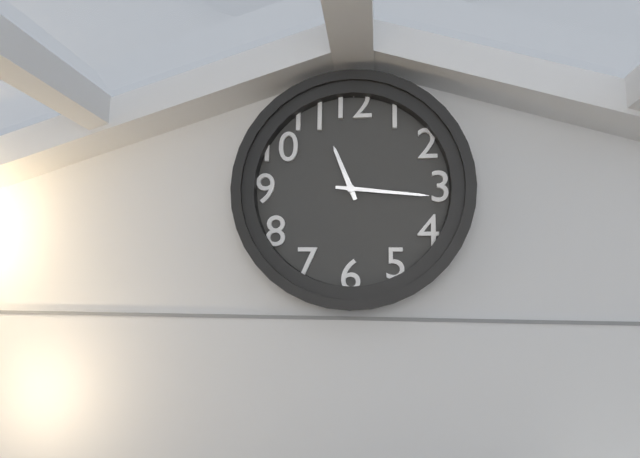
**11:16**
